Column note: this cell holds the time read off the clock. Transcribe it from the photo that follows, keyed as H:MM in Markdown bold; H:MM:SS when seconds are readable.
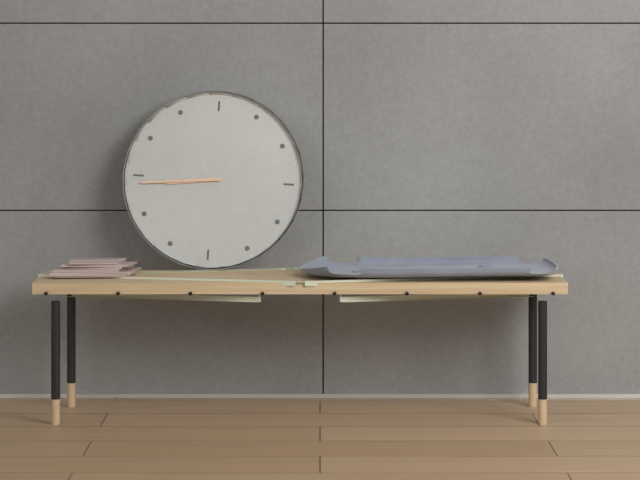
**8:44**
